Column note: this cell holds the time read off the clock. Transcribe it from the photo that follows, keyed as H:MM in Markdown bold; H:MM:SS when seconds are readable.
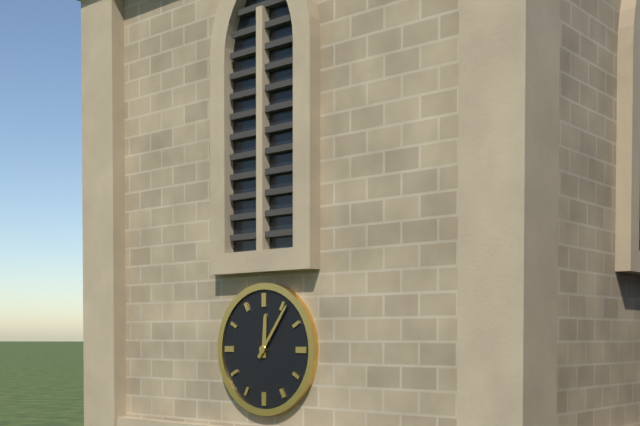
**12:06**
